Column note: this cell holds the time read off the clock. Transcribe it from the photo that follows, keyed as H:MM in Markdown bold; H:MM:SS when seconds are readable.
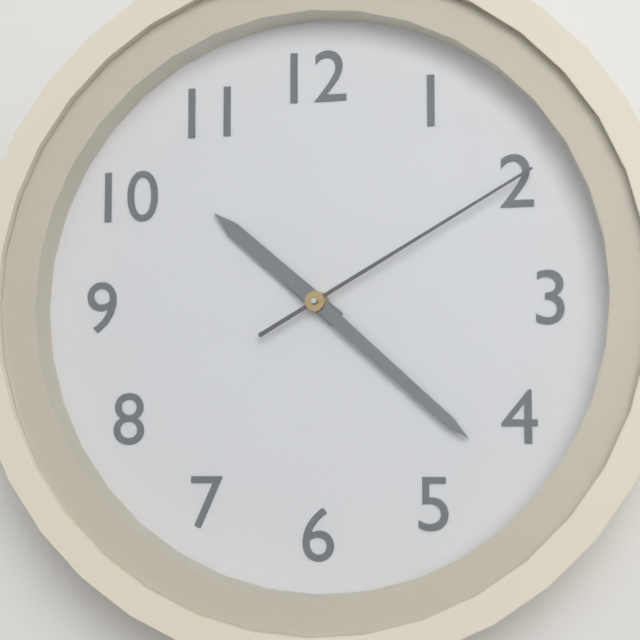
**10:22:10**
